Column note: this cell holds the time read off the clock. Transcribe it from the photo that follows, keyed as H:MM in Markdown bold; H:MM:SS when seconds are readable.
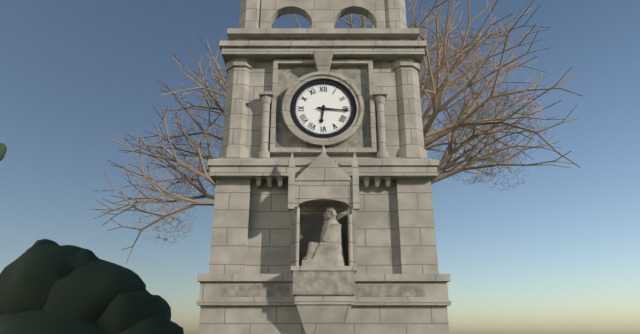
**6:16**
